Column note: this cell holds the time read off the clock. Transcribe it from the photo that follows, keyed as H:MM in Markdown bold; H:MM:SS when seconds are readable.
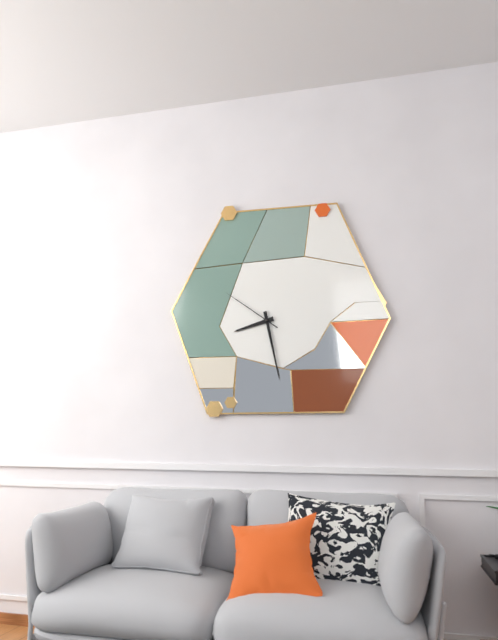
**8:28:51**
